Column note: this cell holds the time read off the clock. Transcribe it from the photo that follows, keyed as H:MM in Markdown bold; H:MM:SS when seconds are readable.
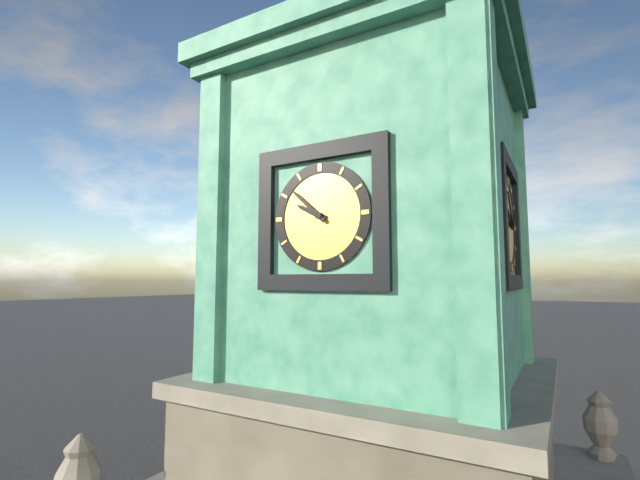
**9:52**
